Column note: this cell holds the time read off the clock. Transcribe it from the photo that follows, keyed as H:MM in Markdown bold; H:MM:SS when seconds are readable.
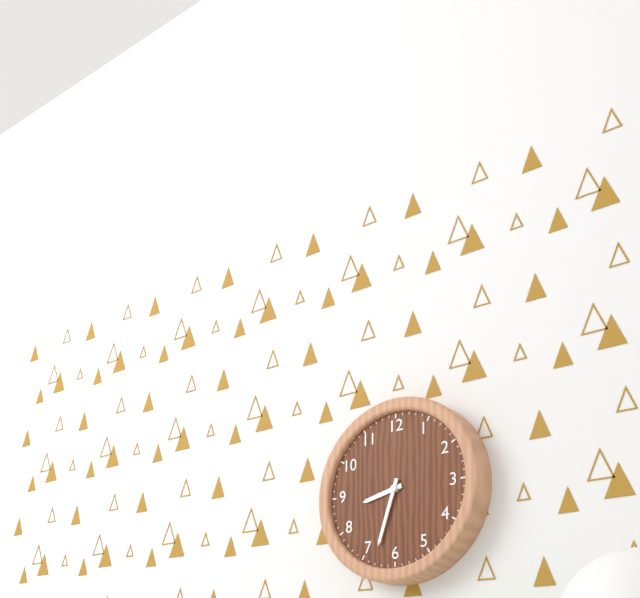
**8:33**
